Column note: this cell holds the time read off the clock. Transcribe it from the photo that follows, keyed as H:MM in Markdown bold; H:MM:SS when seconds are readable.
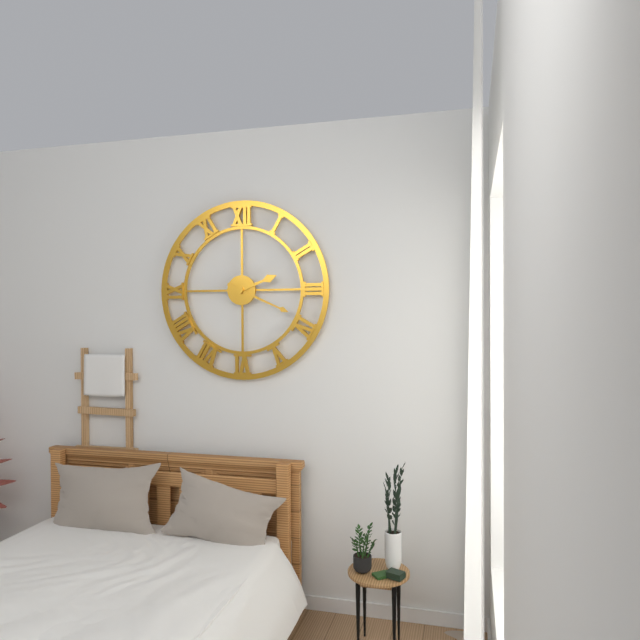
**2:19**
